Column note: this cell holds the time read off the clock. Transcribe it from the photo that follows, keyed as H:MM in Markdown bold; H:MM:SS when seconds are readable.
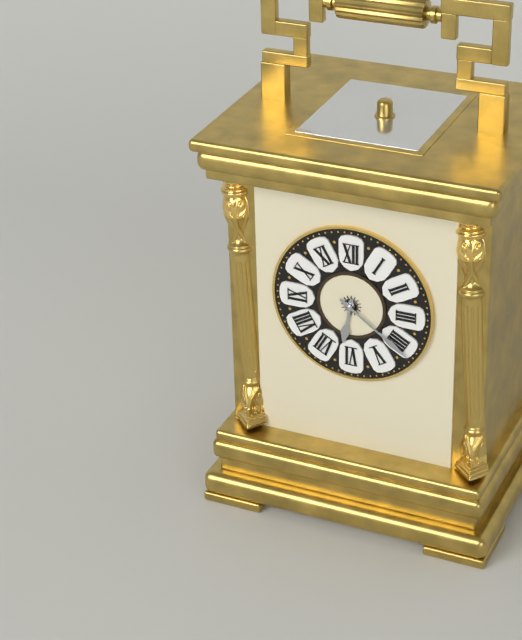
**6:21**
